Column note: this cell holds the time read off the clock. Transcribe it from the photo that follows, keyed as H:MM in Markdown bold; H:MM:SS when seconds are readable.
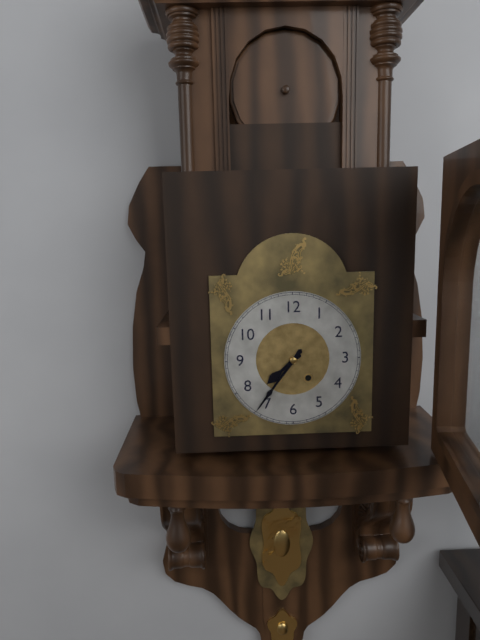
**7:36**
